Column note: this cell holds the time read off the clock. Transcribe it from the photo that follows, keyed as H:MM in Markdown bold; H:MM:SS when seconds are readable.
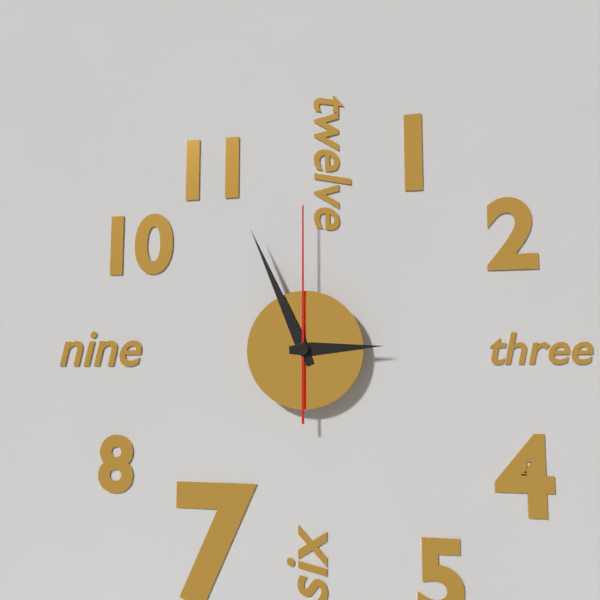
**2:56:00**
